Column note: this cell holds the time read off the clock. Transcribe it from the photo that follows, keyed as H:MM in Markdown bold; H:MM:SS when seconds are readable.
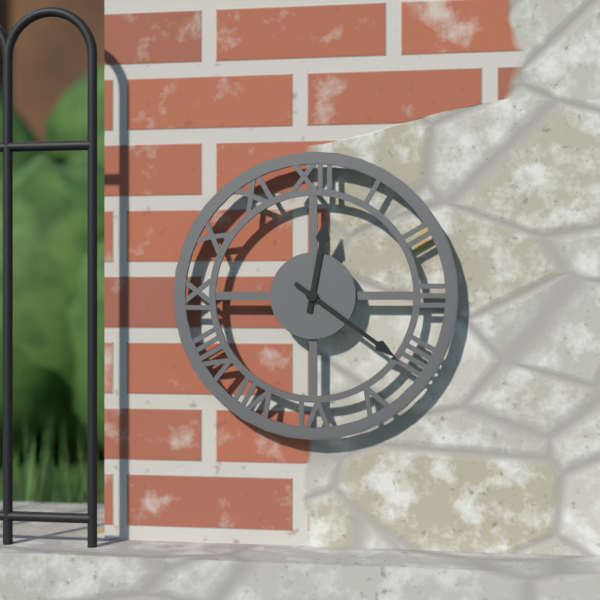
**12:21**
